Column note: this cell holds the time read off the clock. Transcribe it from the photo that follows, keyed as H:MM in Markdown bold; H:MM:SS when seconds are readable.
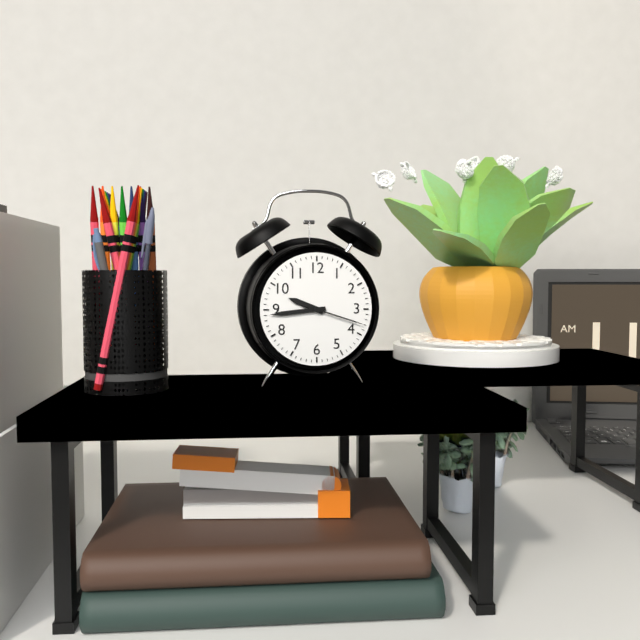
**9:44:18**
